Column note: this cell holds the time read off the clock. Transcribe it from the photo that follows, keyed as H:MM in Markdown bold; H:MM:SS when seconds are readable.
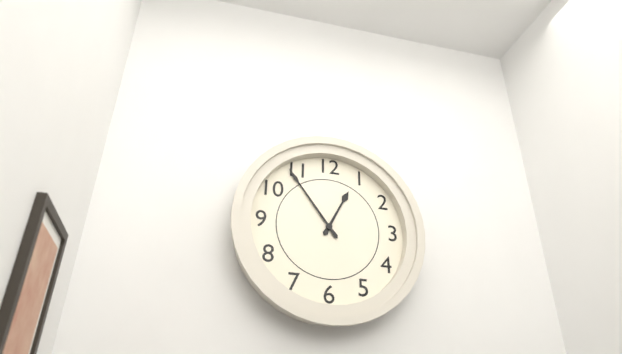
**12:54**
